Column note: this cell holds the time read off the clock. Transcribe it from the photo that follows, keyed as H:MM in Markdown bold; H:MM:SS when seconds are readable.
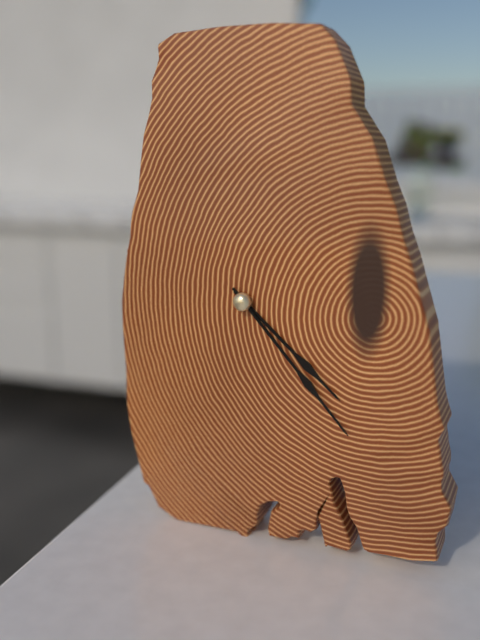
**4:23**
